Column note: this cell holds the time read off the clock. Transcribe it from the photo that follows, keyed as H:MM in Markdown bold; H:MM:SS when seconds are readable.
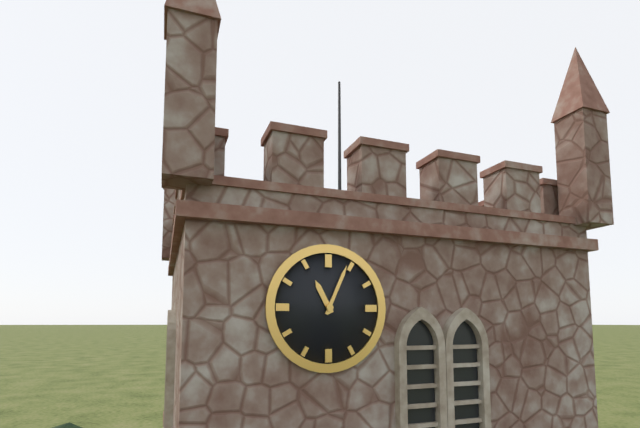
**11:04**
